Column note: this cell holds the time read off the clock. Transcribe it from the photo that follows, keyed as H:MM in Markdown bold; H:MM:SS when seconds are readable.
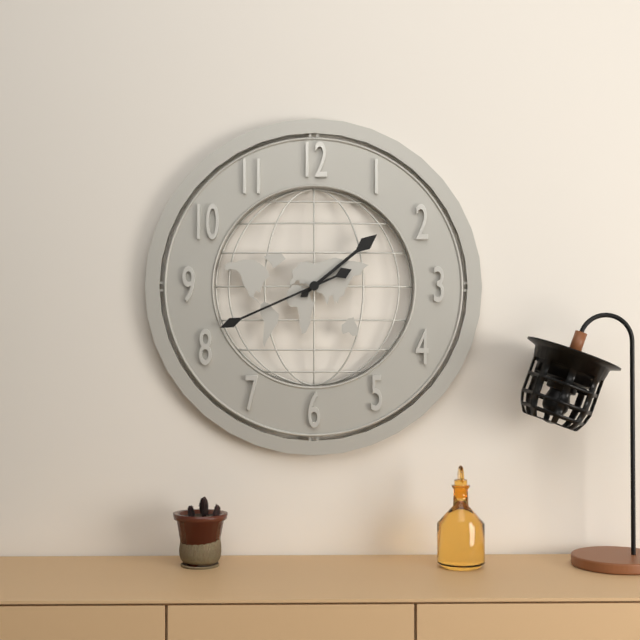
**1:41**
